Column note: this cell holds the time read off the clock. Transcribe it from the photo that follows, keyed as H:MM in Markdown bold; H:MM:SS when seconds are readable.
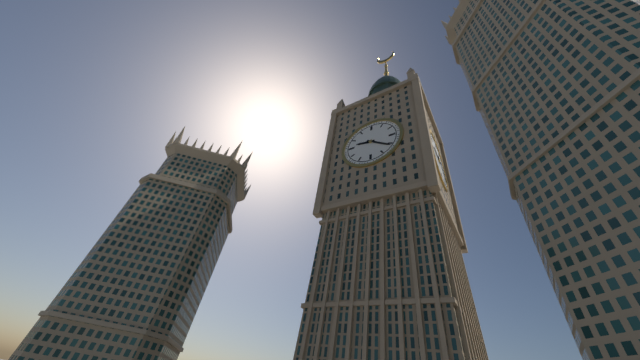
**9:21**
